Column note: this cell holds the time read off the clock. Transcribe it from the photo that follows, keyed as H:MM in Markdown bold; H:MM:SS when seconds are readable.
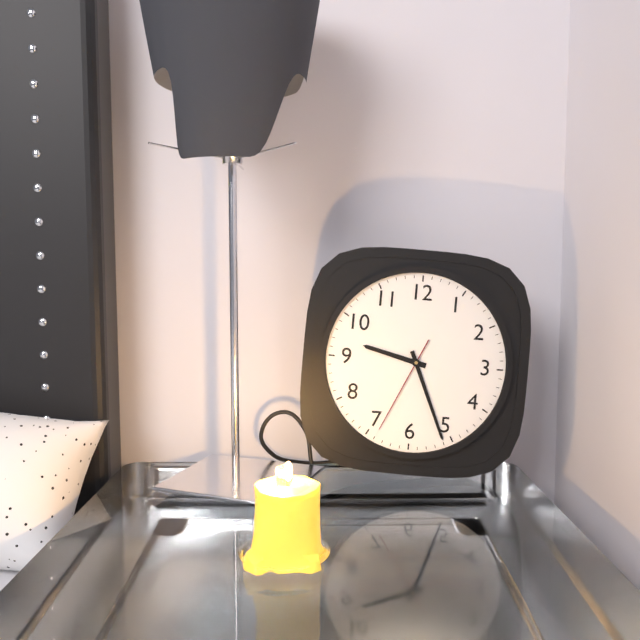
**9:26:34**
